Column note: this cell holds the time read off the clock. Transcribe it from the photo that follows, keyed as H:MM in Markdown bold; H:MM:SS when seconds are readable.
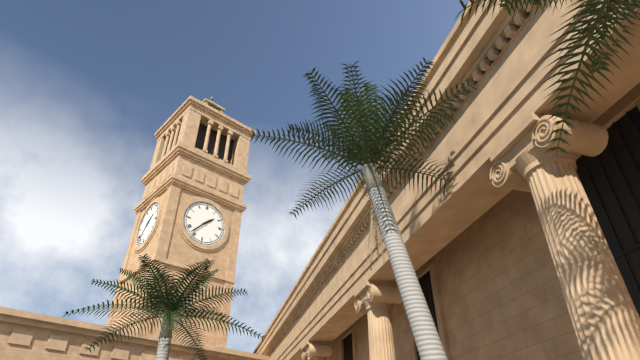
**1:37**
